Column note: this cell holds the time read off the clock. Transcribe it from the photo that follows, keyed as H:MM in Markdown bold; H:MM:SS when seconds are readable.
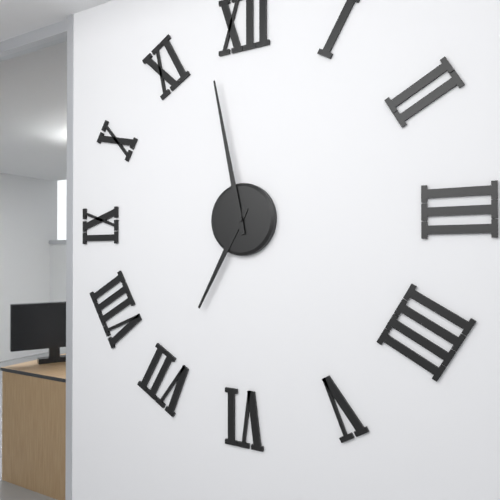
**6:58**
